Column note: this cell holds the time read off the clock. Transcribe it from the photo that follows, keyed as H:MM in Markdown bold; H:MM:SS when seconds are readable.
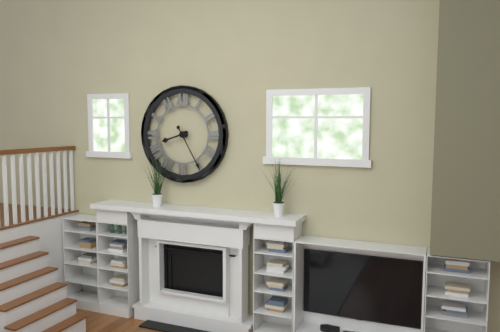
**8:25**
